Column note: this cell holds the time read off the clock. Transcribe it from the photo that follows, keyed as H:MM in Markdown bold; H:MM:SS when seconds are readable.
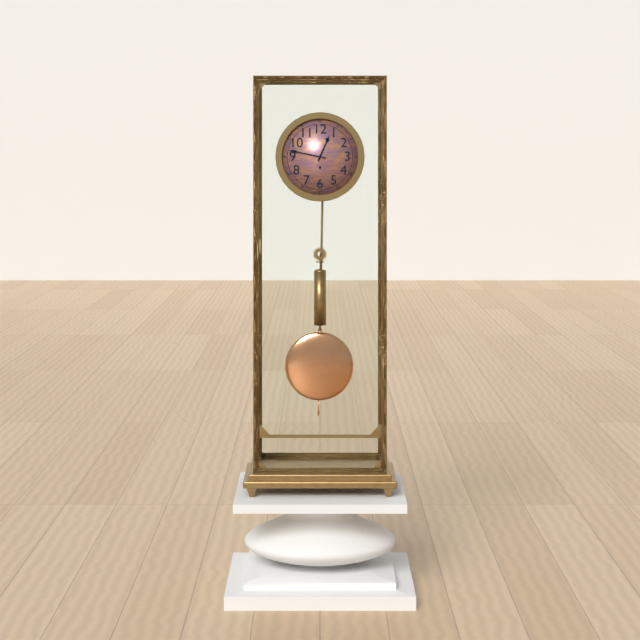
**12:47**
